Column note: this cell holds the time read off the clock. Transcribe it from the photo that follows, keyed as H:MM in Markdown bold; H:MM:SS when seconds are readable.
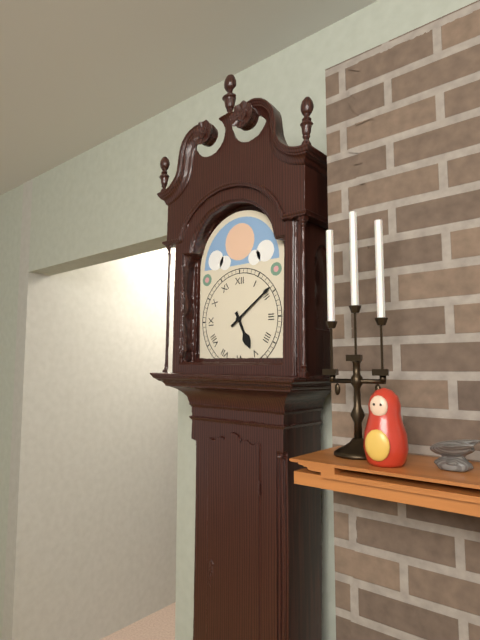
**5:09**
